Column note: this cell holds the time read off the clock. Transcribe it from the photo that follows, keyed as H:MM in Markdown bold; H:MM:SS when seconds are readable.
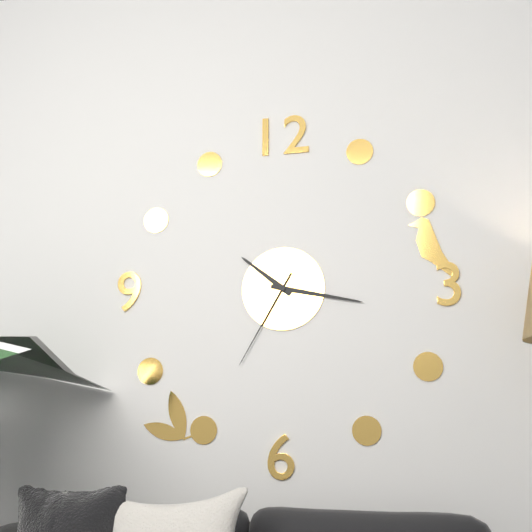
**10:17:35**
